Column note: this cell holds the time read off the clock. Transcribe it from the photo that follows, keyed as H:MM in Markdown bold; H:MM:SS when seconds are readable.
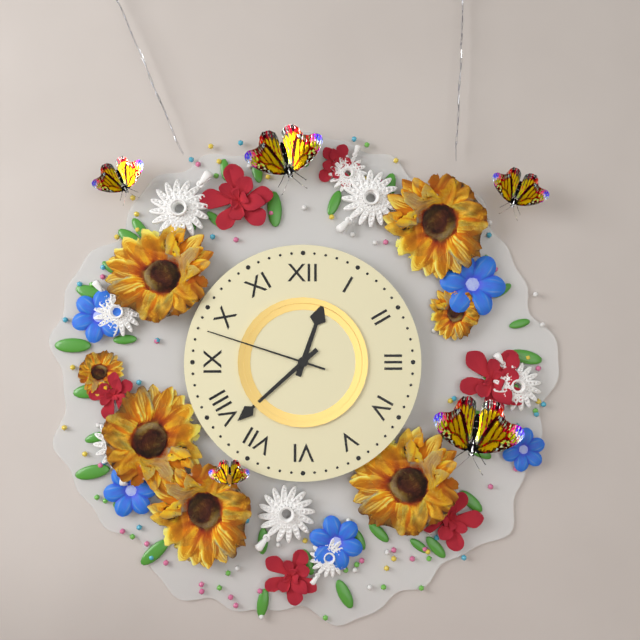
**12:38:48**
